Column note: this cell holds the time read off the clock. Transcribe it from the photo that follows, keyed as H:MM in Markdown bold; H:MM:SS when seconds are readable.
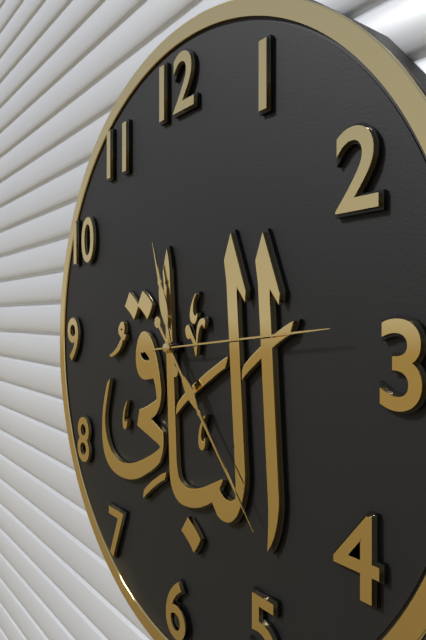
**11:23:14**
